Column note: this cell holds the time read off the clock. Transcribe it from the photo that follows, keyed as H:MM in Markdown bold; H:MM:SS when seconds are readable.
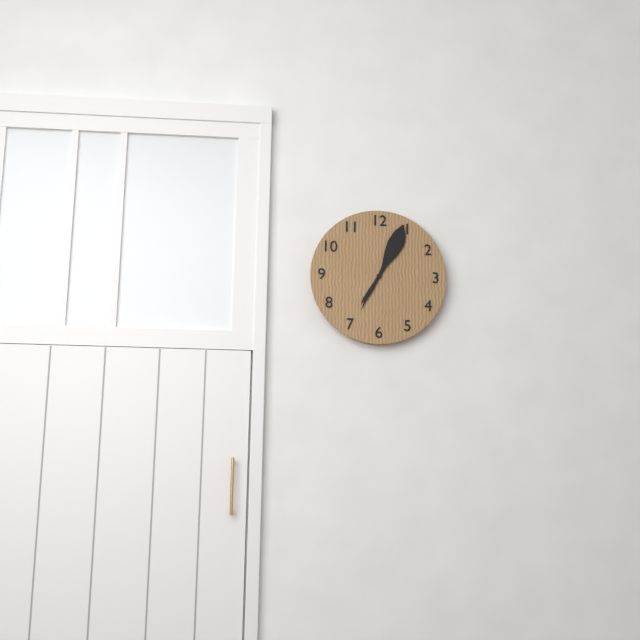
**7:04**
